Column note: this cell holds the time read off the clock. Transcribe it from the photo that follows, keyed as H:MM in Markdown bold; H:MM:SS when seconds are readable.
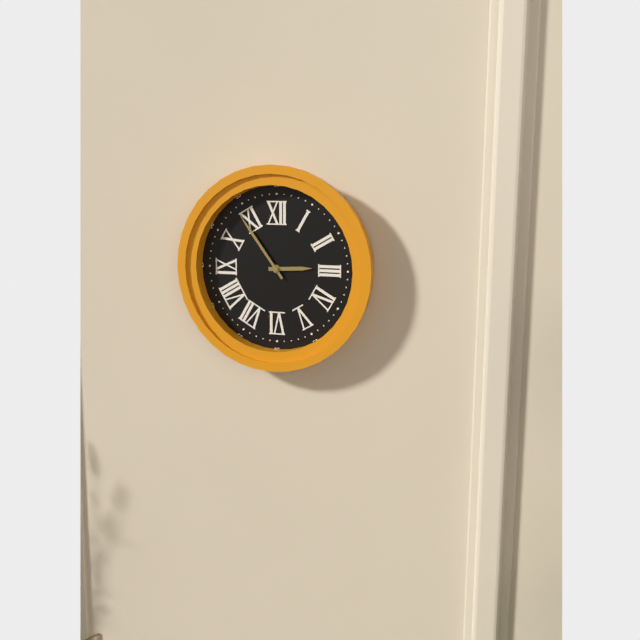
**2:54**
